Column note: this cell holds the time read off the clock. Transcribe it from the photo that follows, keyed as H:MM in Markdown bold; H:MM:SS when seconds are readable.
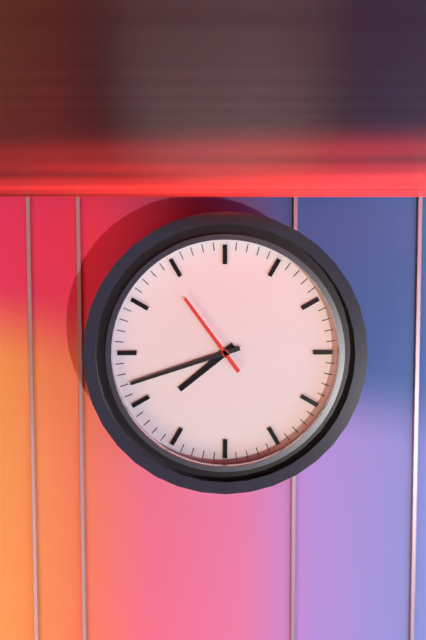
**7:42:54**
